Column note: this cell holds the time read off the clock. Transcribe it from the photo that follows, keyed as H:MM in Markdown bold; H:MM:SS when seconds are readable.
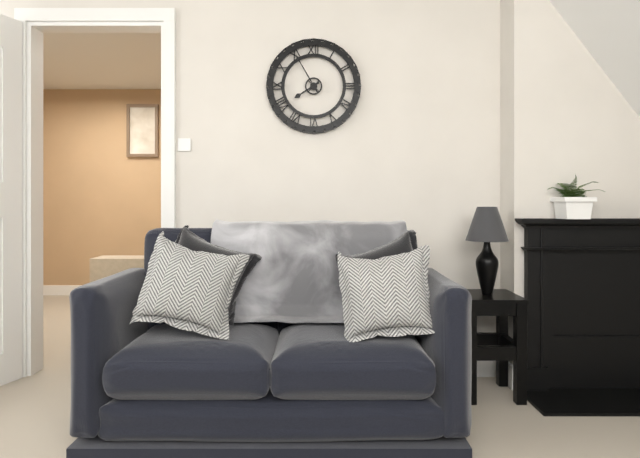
**7:55**
